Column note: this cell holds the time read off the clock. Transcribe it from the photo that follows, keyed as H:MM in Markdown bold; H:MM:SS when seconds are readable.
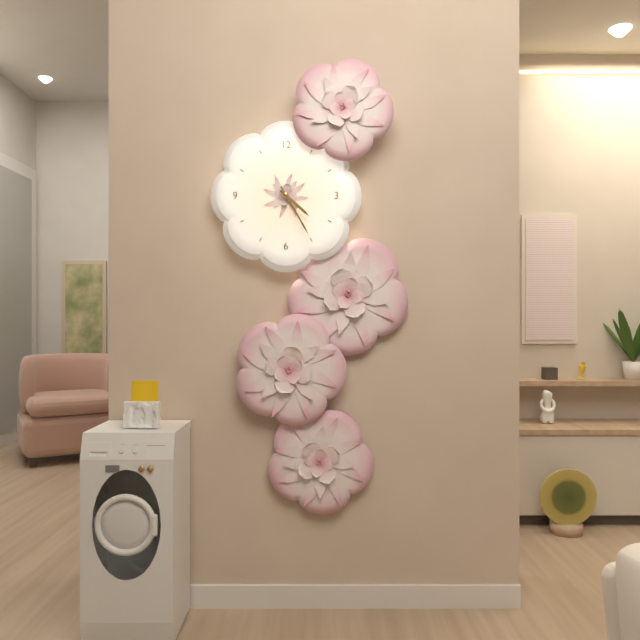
**4:25**
